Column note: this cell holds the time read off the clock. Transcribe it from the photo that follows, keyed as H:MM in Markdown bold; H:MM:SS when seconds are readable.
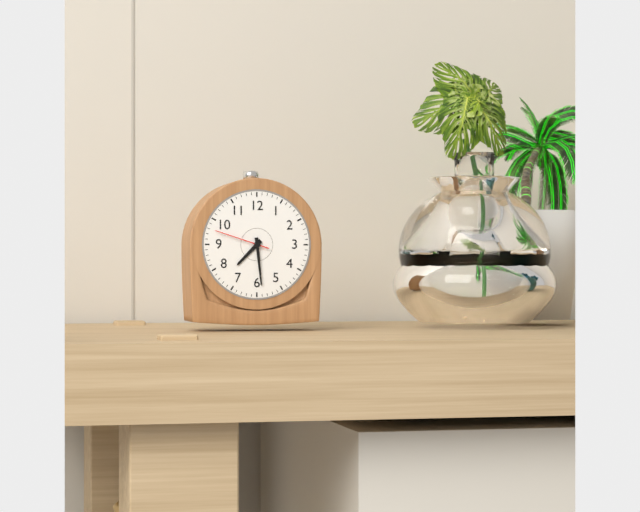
**7:29:48**
